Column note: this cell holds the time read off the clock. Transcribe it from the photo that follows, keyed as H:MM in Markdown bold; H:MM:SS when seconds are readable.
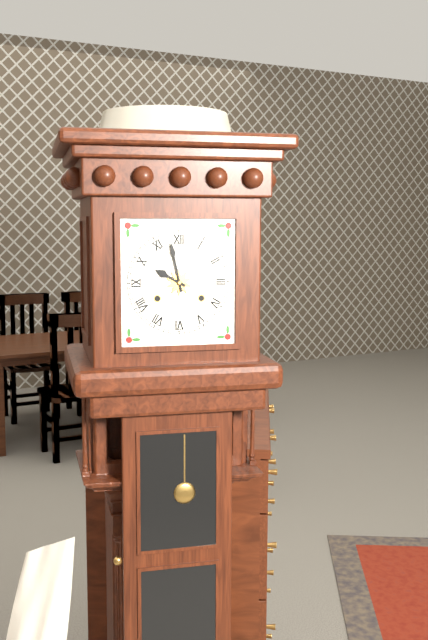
**9:58**
